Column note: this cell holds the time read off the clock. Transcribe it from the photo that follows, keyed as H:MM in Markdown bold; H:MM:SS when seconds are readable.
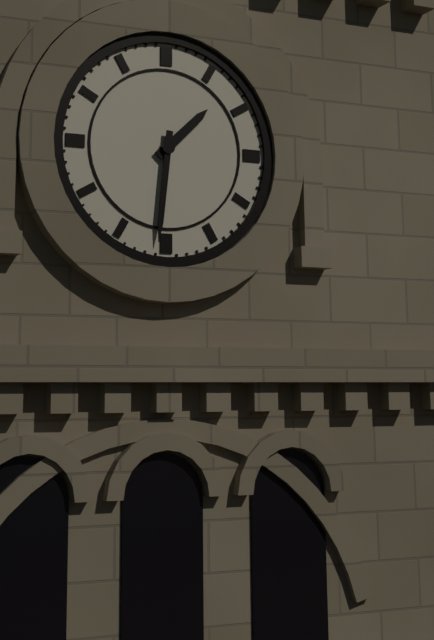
**1:31**
